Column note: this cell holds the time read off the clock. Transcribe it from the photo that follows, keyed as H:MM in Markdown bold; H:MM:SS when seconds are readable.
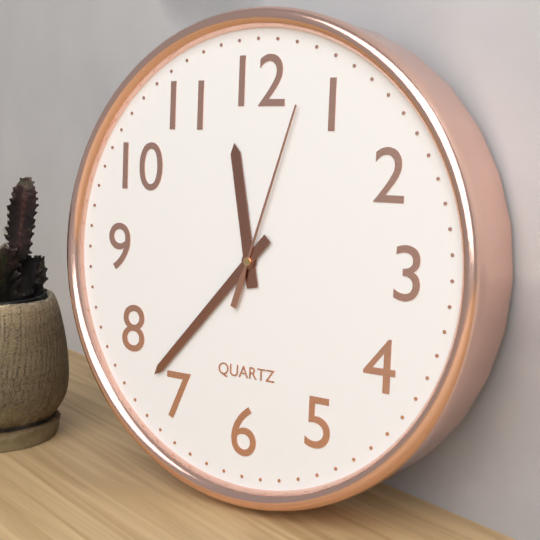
**11:37:03**
